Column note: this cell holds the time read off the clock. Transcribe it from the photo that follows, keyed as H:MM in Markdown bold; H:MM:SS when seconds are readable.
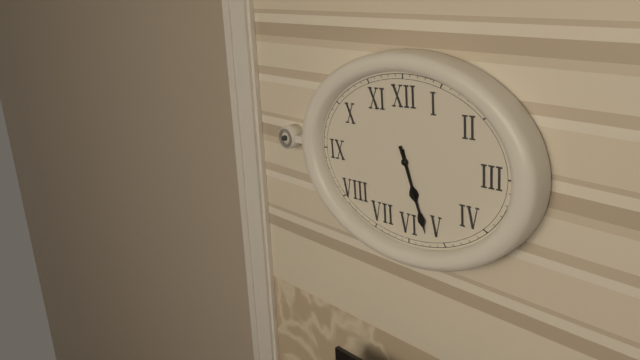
**5:27**
